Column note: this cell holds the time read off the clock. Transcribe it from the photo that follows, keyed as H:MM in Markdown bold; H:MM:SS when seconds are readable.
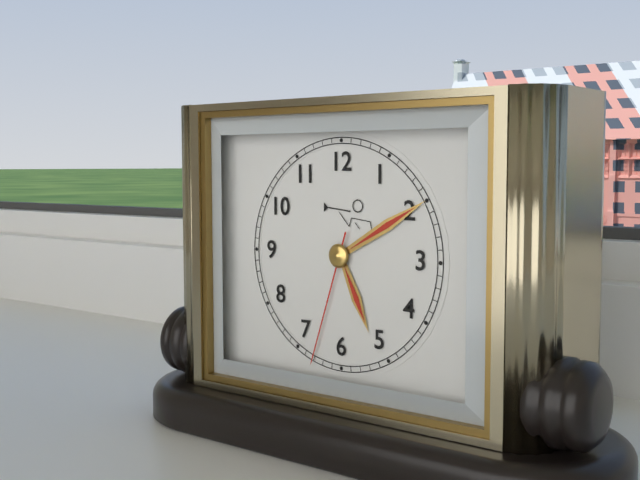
**5:10:33**
